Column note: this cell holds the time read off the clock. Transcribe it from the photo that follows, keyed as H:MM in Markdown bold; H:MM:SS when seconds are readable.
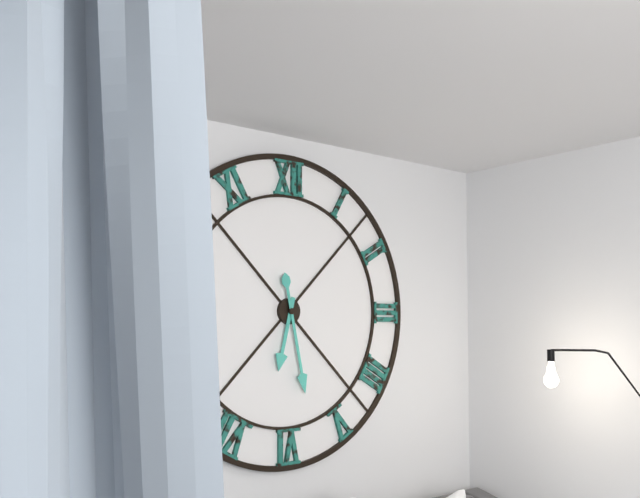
**6:28**
